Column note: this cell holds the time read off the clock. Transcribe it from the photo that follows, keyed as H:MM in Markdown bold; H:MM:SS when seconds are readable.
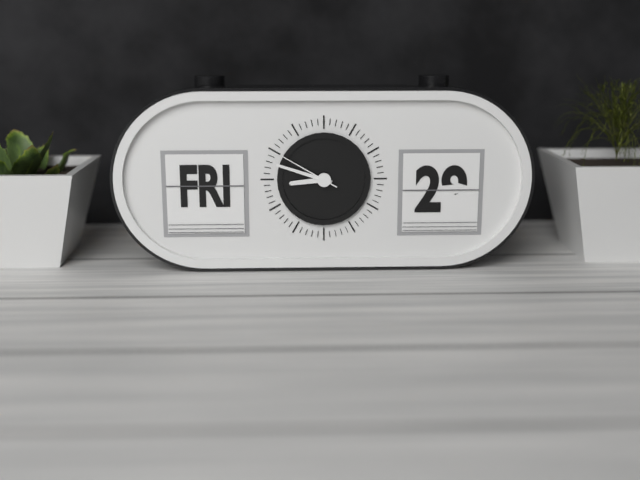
**8:48:50**
